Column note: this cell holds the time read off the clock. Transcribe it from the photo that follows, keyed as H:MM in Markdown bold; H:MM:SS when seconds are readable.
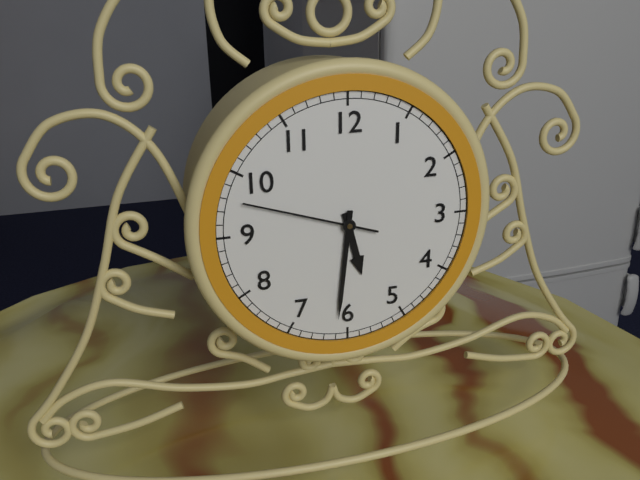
**5:31:48**
